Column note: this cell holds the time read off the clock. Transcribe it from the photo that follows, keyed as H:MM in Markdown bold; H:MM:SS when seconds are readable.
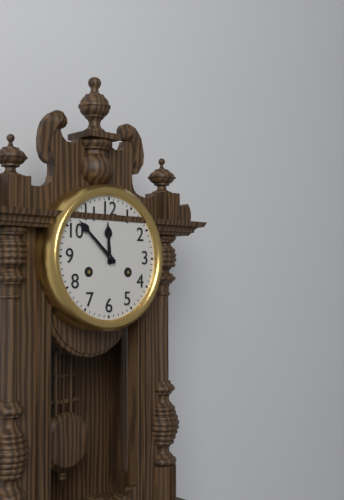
**11:52**
